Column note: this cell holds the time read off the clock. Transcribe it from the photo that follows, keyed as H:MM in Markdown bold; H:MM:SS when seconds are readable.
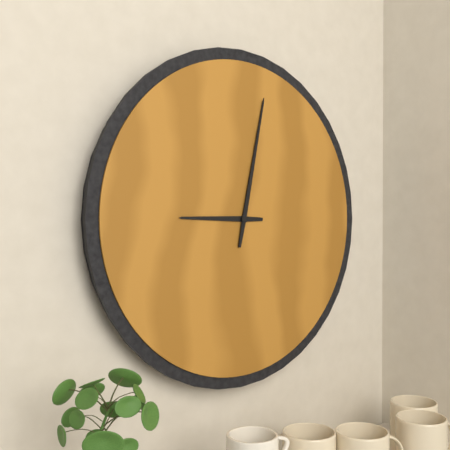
**9:02**
